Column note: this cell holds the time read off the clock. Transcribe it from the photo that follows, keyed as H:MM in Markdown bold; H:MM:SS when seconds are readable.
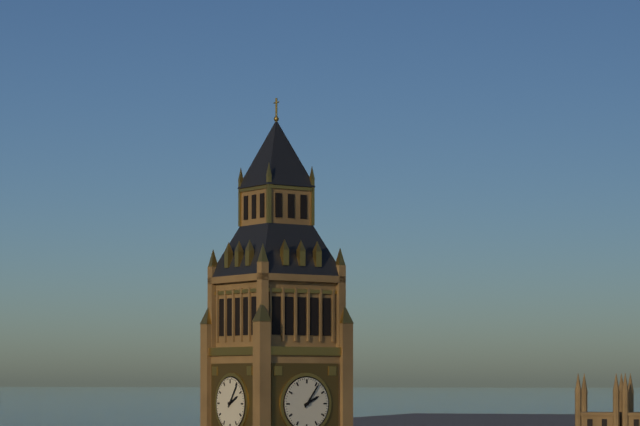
**2:06**
